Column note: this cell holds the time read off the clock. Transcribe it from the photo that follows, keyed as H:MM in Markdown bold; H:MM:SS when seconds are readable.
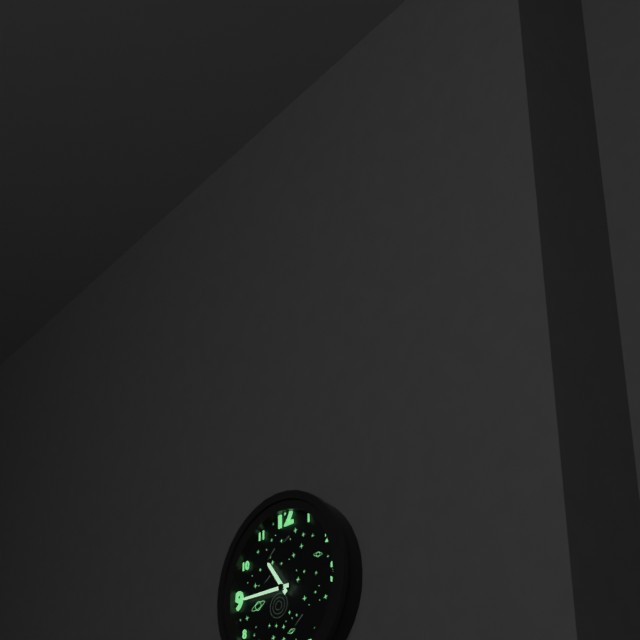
**10:45**
